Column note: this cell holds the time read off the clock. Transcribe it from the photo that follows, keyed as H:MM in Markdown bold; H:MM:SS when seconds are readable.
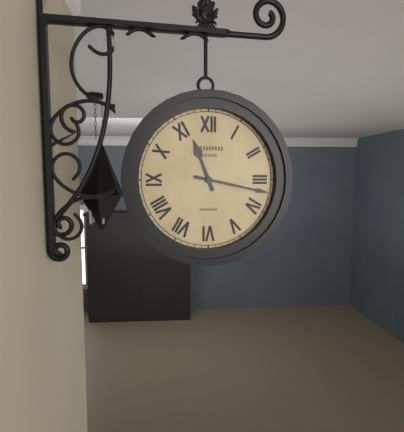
**11:17**
